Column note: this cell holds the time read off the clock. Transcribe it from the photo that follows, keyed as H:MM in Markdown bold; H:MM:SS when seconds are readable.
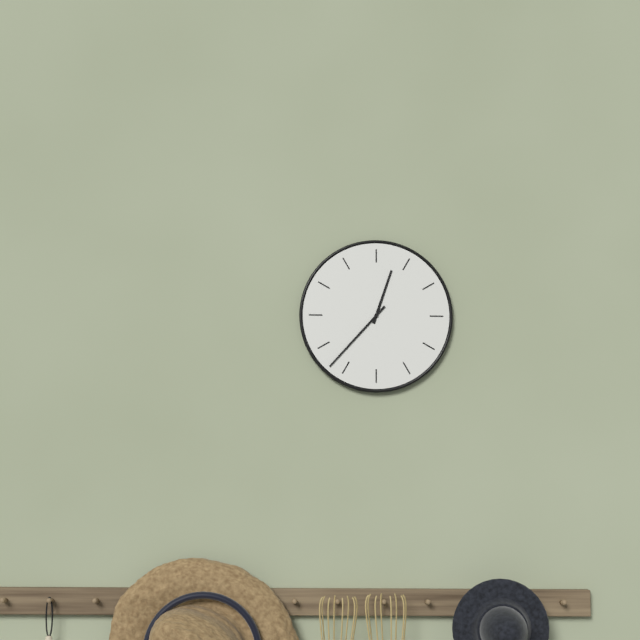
**12:37**
